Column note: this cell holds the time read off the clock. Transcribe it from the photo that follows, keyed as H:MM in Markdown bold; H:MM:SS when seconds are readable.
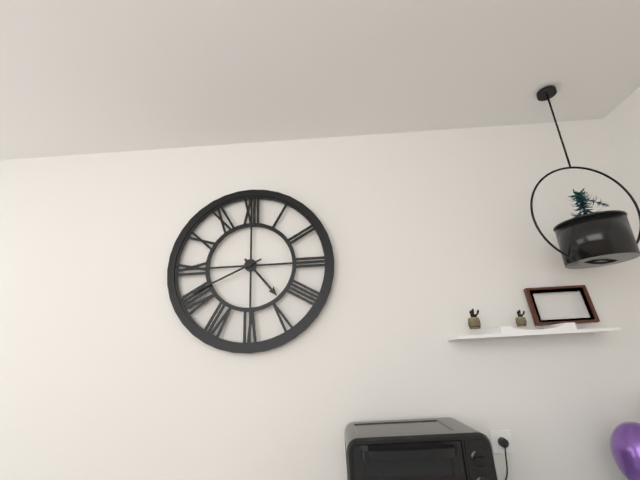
**4:41**
